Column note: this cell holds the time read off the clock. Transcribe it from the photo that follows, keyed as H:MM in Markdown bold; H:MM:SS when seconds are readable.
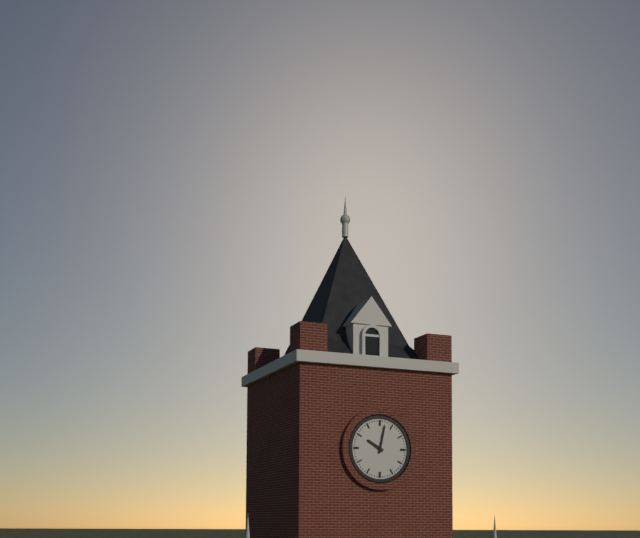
**10:02**
